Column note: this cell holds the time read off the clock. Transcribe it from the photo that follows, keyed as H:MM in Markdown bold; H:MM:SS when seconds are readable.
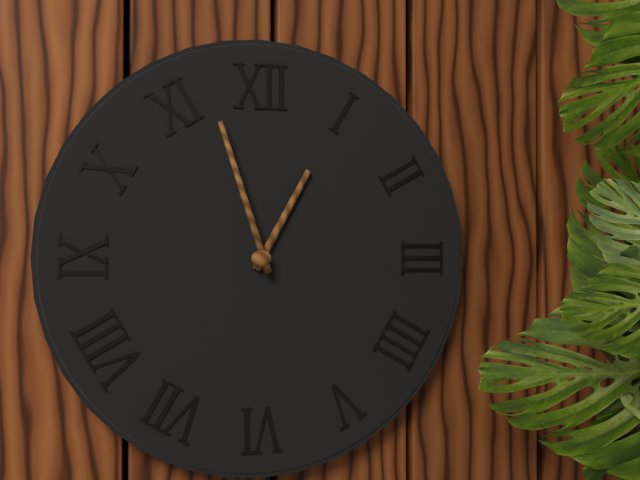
**12:57**
